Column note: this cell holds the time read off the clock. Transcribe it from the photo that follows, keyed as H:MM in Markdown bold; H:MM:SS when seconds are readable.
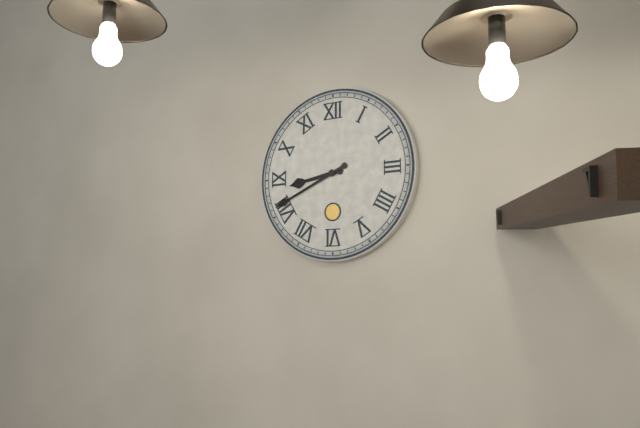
**8:41**
